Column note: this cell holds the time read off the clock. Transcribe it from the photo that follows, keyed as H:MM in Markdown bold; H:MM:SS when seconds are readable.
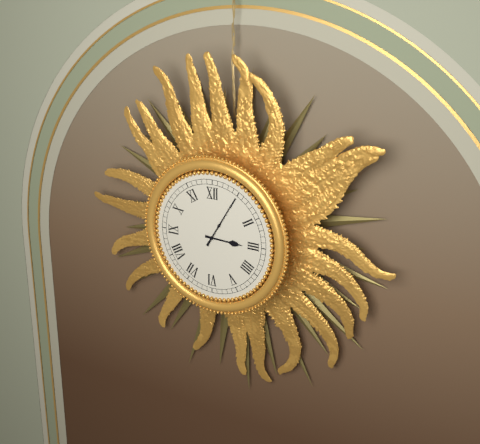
**3:05**
